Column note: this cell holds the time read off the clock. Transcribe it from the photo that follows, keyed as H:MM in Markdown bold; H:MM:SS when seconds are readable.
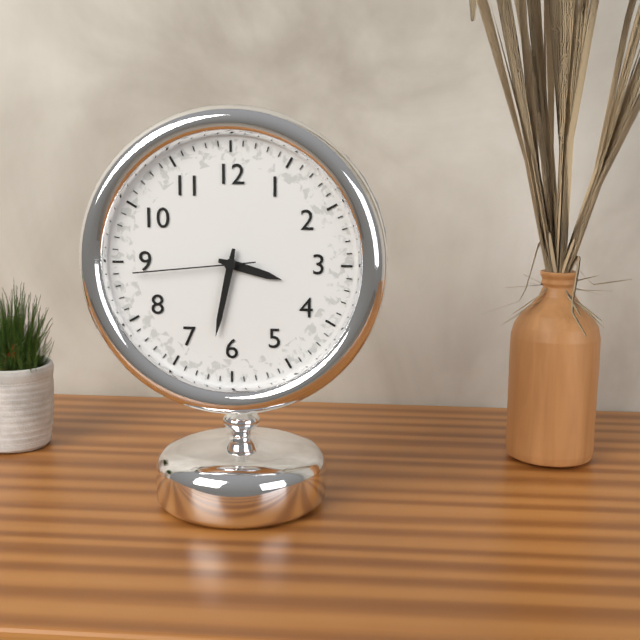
**3:32:44**
